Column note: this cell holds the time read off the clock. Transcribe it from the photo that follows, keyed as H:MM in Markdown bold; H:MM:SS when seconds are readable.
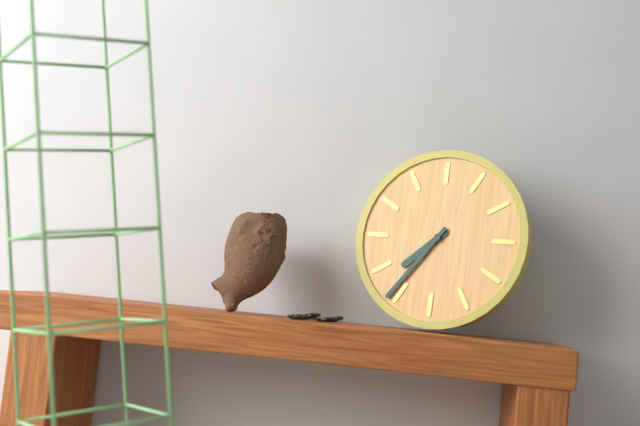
**7:36**
